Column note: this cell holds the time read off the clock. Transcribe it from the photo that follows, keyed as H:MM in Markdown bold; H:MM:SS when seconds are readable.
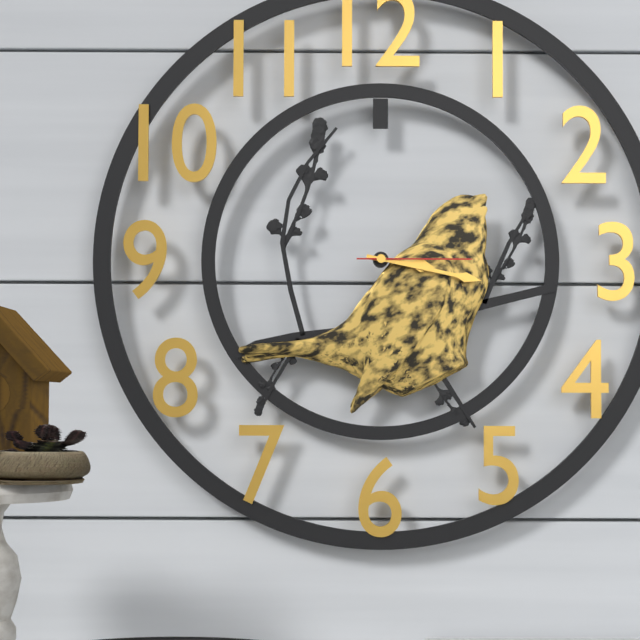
**3:17:15**
